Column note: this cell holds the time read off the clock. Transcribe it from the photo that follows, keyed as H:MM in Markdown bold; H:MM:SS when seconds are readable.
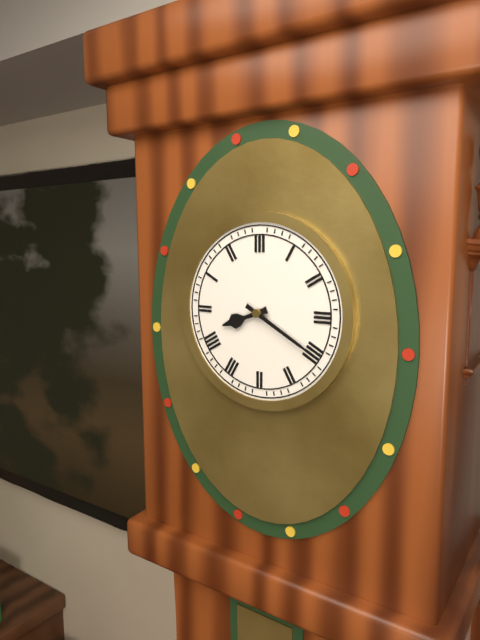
**8:20**
